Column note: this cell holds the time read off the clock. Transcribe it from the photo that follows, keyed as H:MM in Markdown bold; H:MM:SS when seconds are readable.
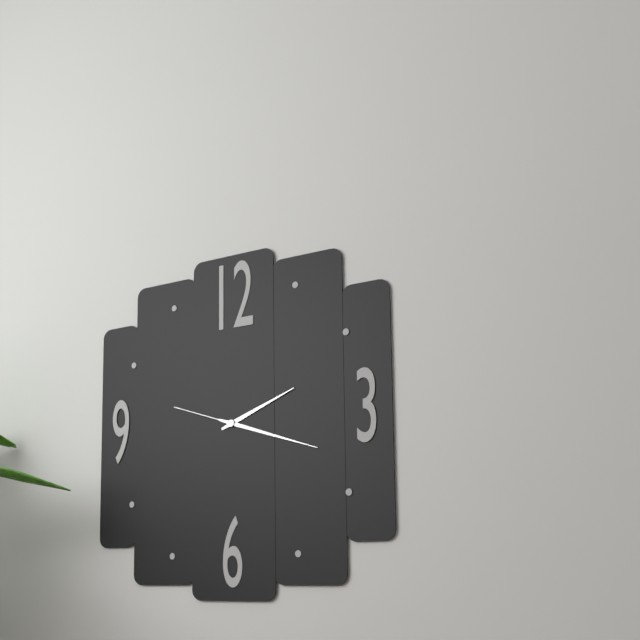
**2:18:48**
